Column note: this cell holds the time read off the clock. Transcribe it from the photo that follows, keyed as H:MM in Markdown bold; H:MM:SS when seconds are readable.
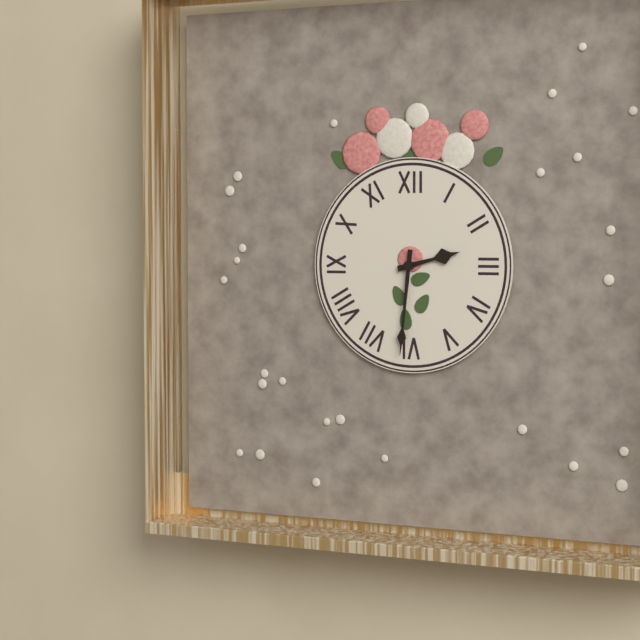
**2:31**
